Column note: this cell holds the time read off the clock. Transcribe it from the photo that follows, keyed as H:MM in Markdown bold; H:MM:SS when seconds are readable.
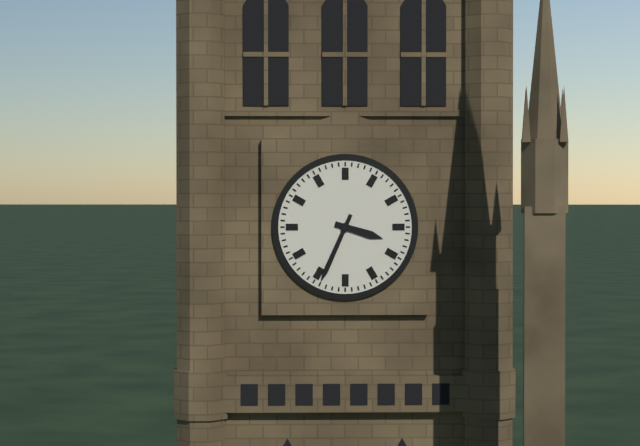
**3:34**
